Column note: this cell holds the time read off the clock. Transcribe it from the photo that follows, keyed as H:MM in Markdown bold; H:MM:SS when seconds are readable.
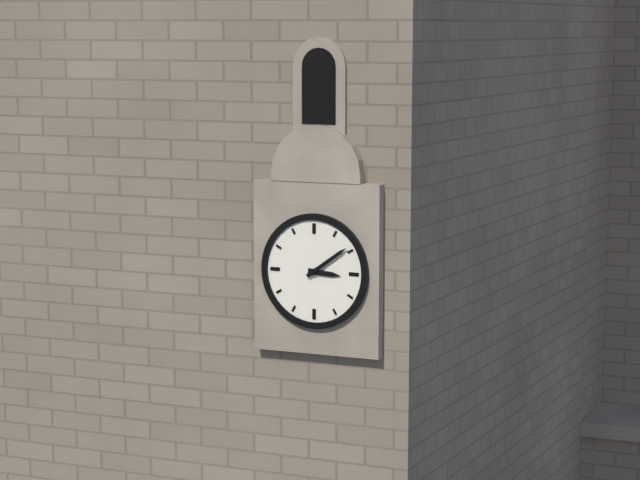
**3:09**
